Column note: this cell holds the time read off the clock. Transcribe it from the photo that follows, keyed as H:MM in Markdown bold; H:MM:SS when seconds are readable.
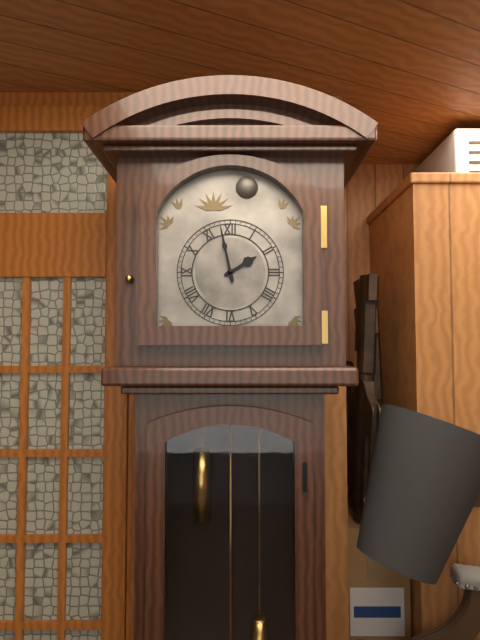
**1:58**
